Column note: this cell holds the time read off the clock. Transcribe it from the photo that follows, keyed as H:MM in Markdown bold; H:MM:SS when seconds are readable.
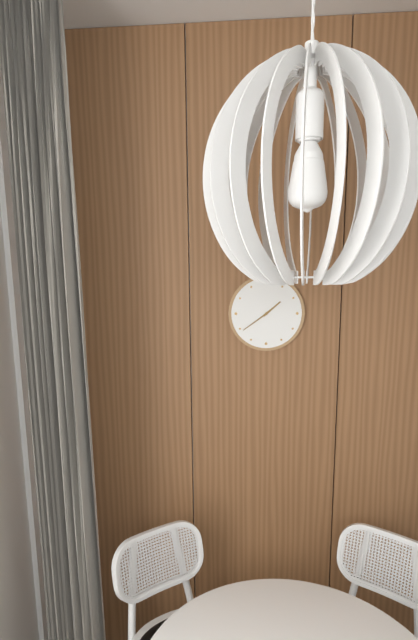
**1:39**
